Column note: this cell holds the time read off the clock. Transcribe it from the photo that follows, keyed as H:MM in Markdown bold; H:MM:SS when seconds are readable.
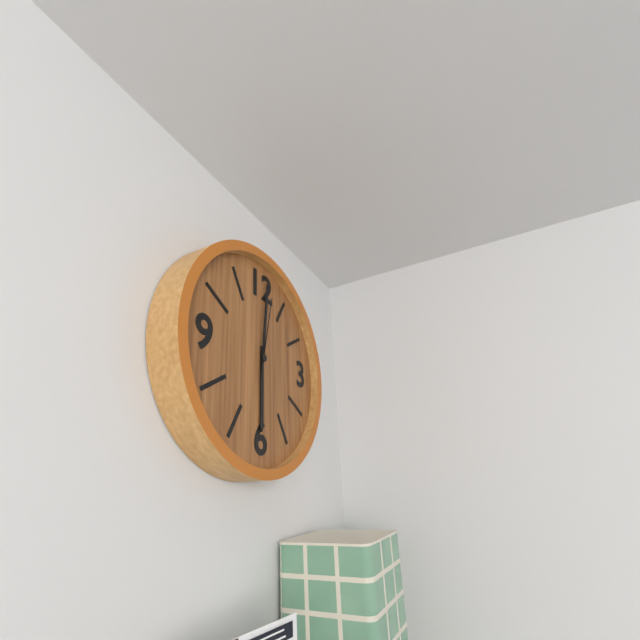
**6:01:02**
